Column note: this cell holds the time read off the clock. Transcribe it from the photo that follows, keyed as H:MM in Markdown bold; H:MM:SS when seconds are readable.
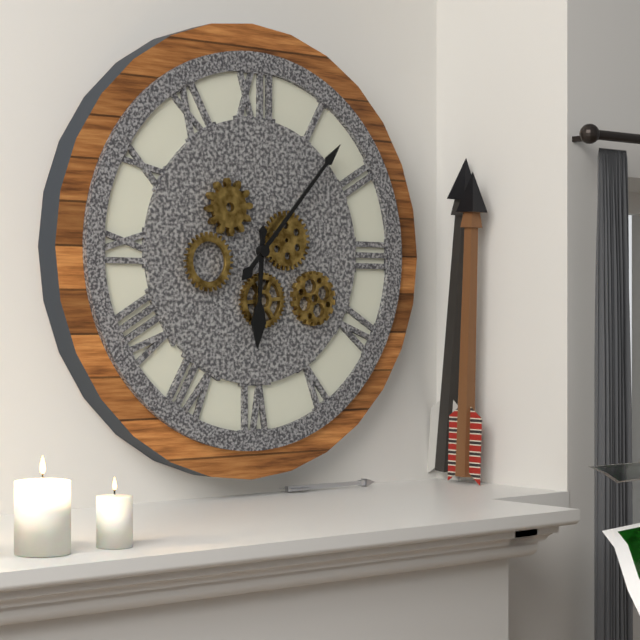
**6:07**
